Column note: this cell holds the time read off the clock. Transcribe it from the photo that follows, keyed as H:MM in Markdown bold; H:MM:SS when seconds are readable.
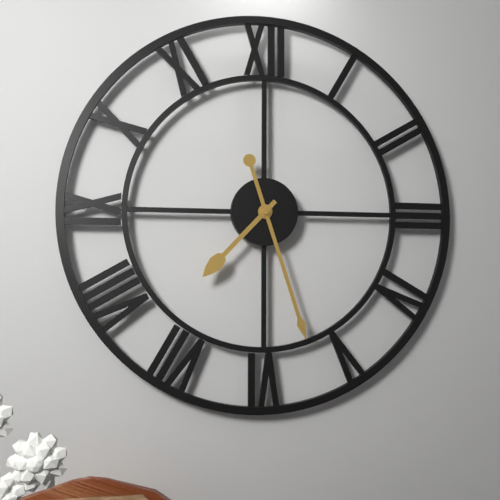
**7:27**
